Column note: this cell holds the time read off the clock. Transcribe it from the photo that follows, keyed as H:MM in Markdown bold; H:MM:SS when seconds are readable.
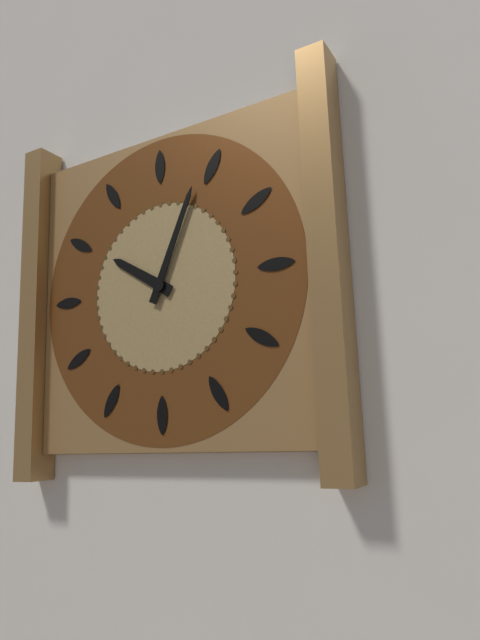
**10:04**
